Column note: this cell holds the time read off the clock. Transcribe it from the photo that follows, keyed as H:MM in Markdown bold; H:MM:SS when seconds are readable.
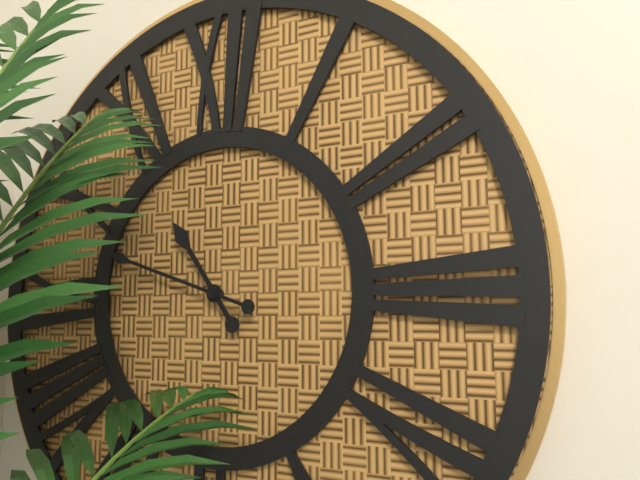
**10:48**
